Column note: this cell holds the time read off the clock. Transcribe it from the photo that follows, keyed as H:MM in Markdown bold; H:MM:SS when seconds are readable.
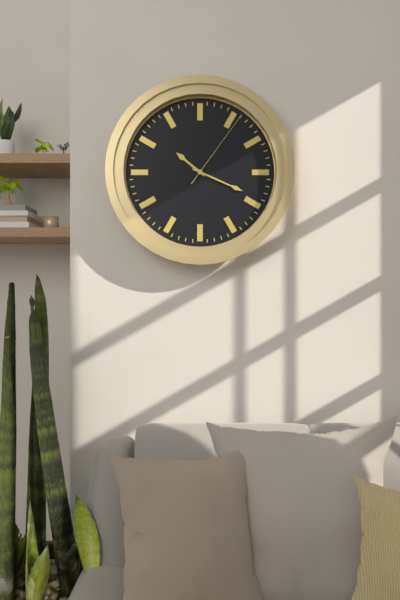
**10:19:06**
